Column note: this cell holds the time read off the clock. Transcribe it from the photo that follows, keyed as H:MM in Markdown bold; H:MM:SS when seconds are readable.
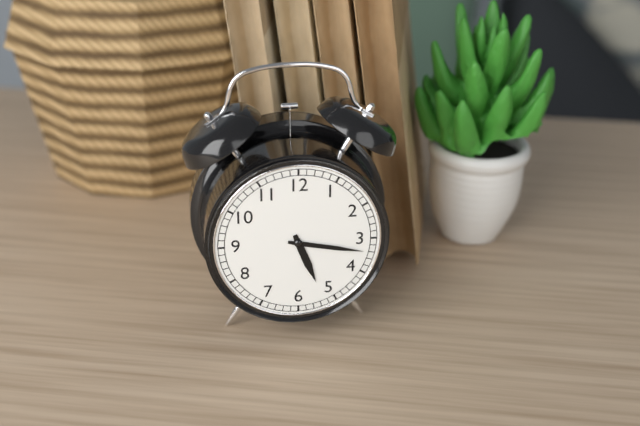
**5:17**
